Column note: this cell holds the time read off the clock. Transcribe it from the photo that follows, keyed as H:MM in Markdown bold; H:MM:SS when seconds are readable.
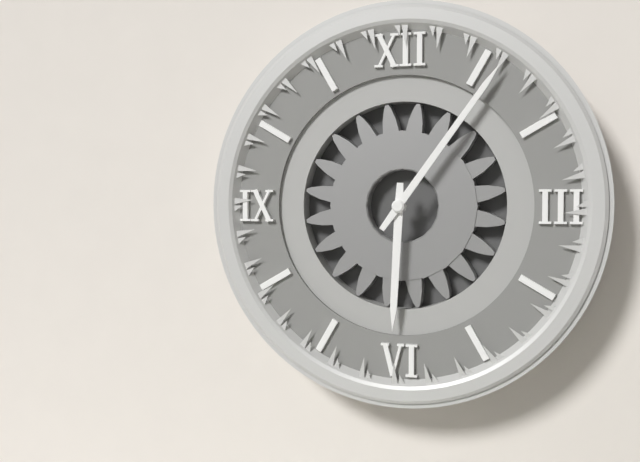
**6:06**
